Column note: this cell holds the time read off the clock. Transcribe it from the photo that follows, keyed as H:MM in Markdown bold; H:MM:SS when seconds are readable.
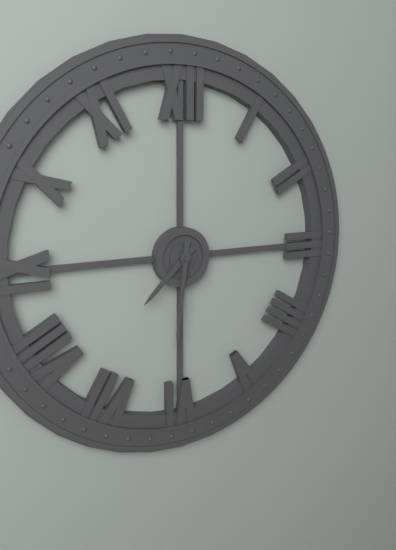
**7:31**
